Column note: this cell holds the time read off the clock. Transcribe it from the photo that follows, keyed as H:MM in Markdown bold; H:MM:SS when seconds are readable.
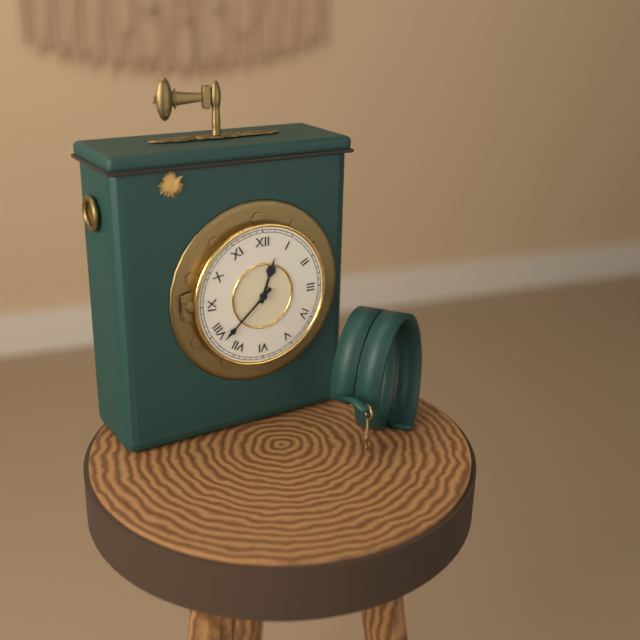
**12:38**
